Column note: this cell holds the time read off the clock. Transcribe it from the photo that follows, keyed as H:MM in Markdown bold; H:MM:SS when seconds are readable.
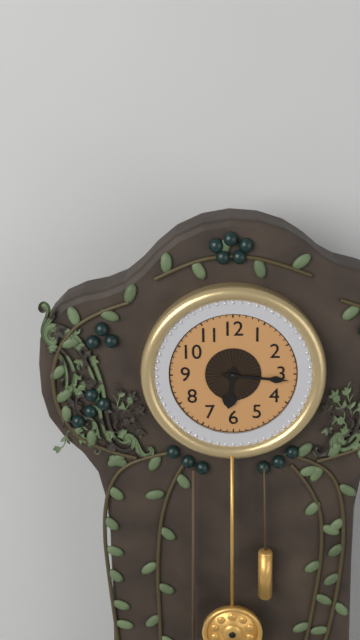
**6:16**
